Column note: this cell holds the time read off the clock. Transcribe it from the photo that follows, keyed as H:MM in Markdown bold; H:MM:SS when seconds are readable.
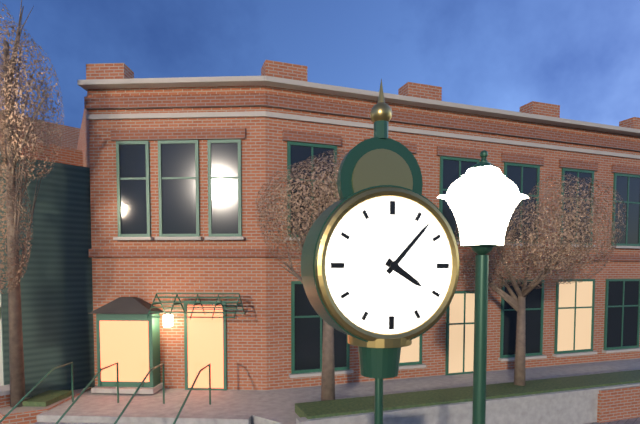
**4:07**
